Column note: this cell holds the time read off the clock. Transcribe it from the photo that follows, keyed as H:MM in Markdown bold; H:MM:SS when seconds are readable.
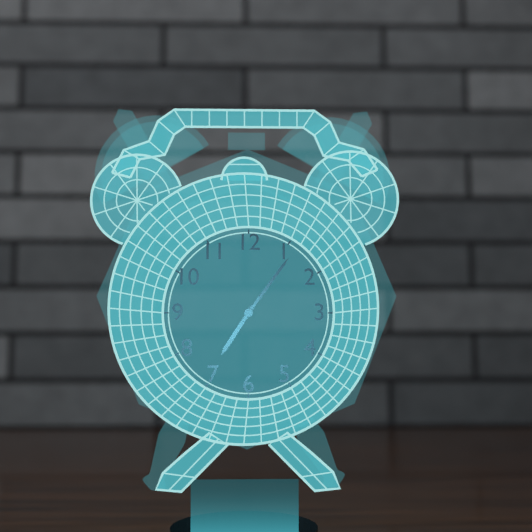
**7:06**
